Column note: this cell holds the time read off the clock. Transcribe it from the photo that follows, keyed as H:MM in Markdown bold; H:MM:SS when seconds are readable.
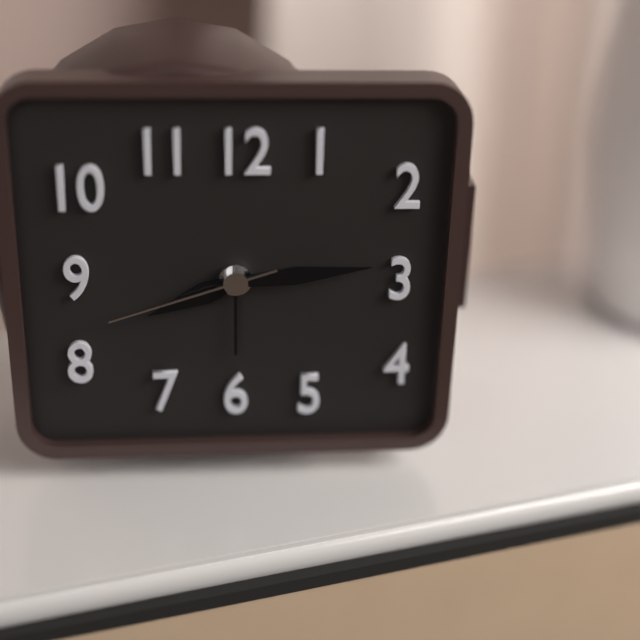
**8:14:42**
